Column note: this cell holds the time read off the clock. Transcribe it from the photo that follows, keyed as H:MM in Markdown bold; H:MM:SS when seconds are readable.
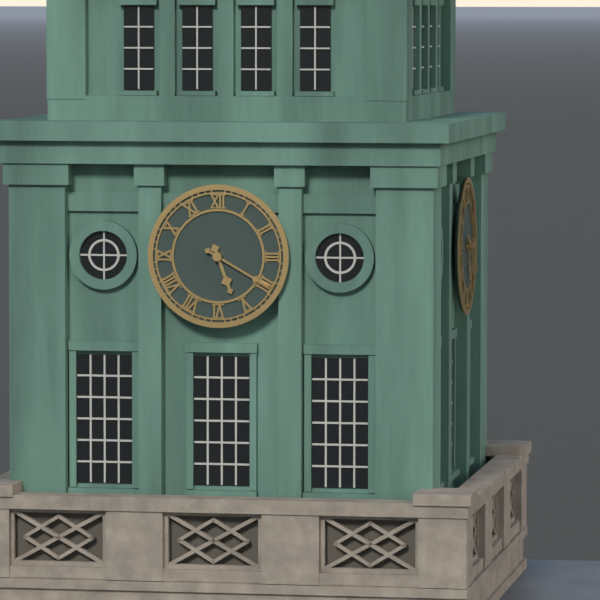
**5:20**
